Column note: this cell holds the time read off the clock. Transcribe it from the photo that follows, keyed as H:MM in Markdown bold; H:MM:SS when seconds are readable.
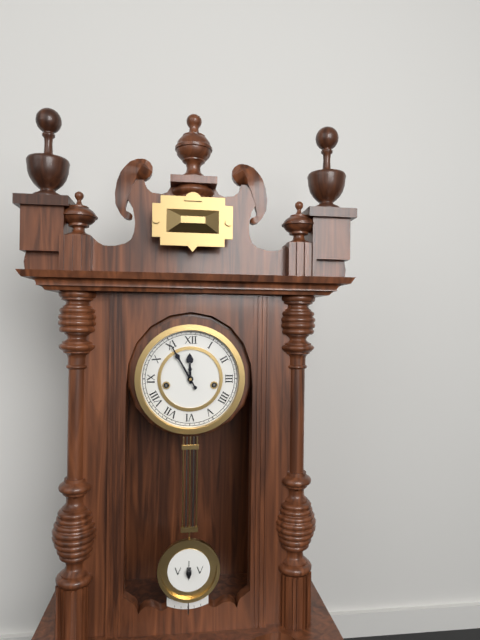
**11:55**
